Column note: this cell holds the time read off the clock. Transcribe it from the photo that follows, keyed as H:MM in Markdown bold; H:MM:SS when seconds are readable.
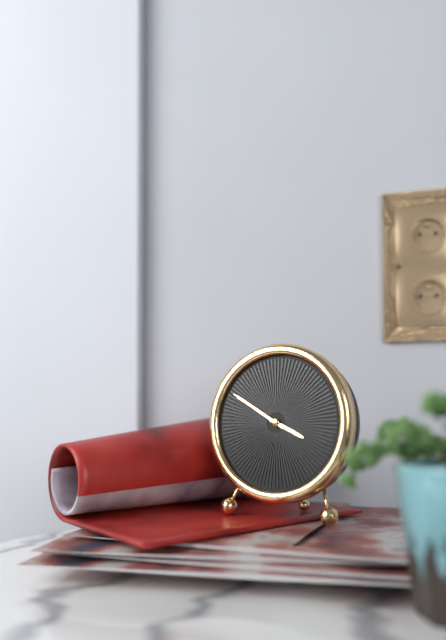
**3:50**
